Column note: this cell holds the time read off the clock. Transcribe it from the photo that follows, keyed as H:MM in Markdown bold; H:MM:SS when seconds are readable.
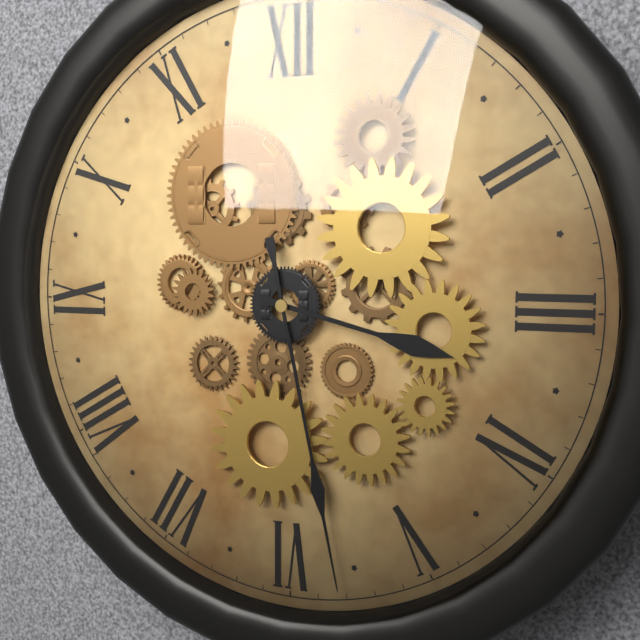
**3:28**
